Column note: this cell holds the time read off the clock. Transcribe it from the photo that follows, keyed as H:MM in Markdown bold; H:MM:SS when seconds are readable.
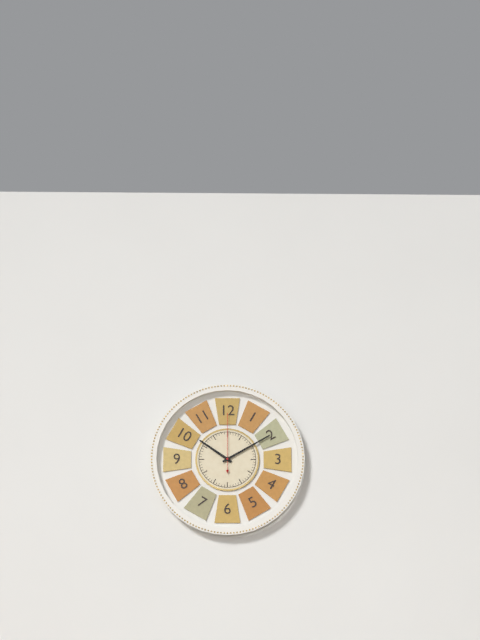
**10:10:00**
